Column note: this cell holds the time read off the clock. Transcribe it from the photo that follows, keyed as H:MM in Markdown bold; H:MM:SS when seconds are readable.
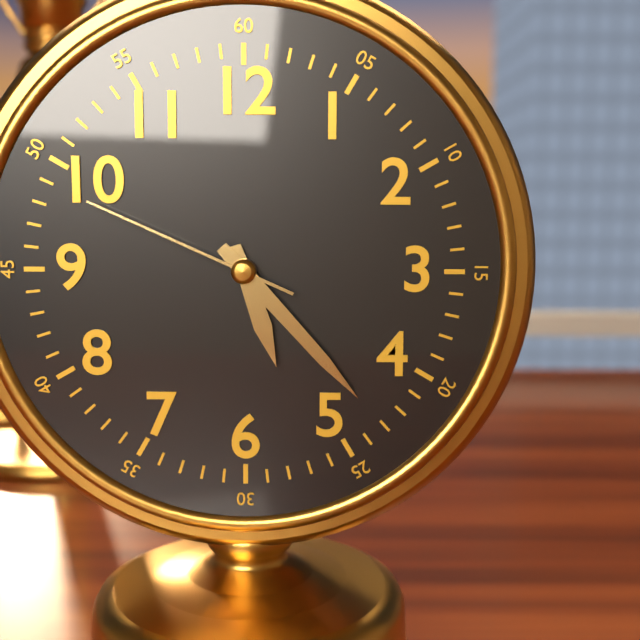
**5:23:49**
